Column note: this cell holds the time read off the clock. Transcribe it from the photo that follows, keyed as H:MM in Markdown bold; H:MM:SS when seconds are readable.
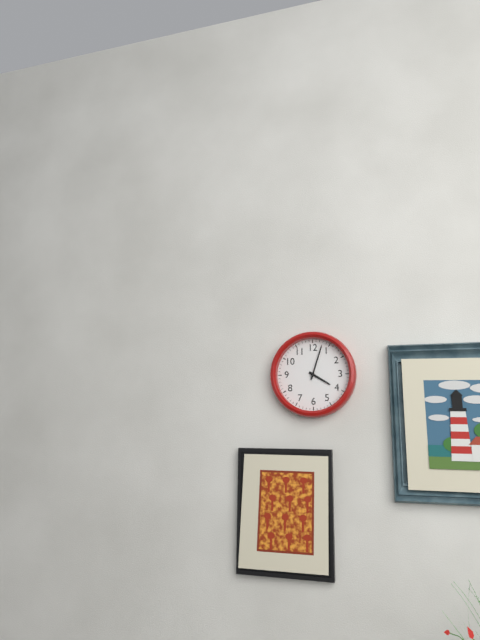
**4:03**
